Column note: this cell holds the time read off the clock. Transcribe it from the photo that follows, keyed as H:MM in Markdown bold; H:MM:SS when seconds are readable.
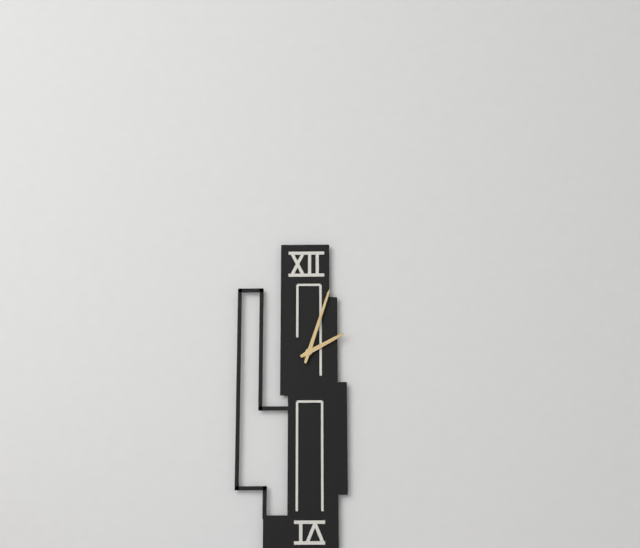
**2:03**
